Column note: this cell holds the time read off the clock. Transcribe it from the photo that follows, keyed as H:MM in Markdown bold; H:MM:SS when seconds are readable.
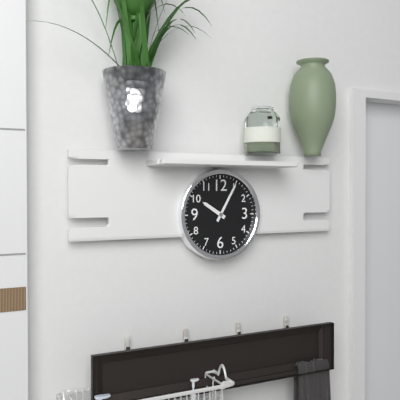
**10:05**
